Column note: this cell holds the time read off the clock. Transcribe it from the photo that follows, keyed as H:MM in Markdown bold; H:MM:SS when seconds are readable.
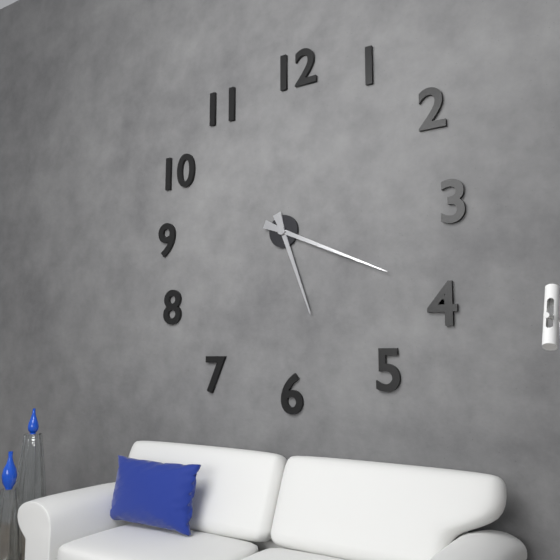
**5:19**
